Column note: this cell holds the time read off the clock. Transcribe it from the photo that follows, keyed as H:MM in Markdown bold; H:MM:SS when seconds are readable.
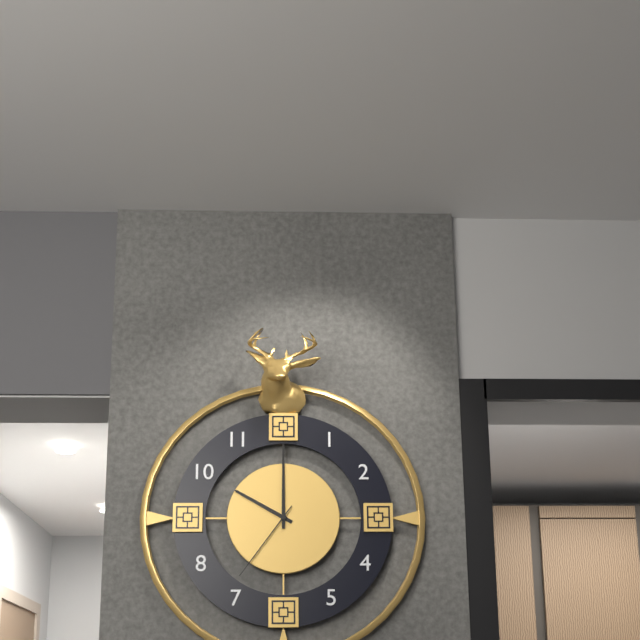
**10:00:36**
